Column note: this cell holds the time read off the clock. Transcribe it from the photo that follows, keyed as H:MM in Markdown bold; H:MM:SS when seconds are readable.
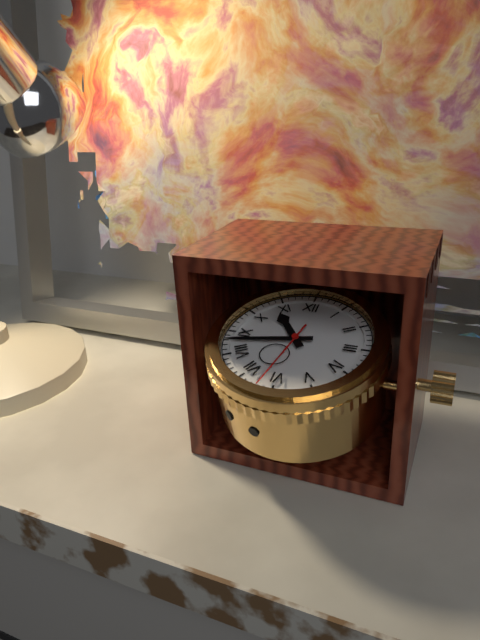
**10:43:32**
